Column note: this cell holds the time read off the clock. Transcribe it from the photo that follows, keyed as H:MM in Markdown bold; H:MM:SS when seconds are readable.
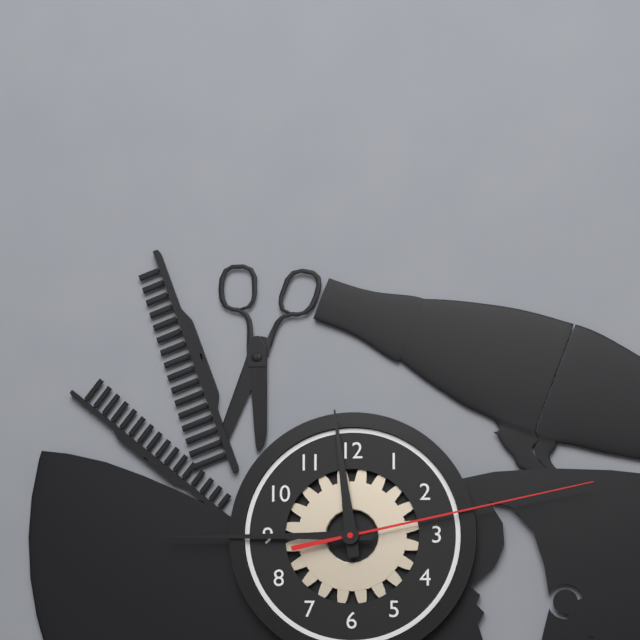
**11:45:13**
